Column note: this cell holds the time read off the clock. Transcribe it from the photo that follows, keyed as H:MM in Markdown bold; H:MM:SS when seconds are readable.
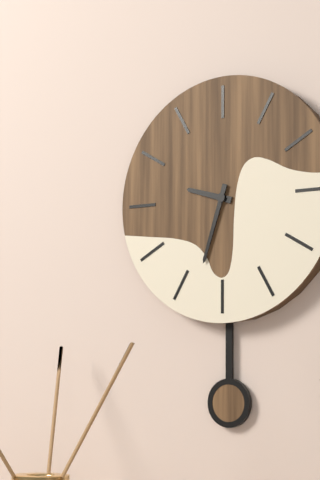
**9:33**
